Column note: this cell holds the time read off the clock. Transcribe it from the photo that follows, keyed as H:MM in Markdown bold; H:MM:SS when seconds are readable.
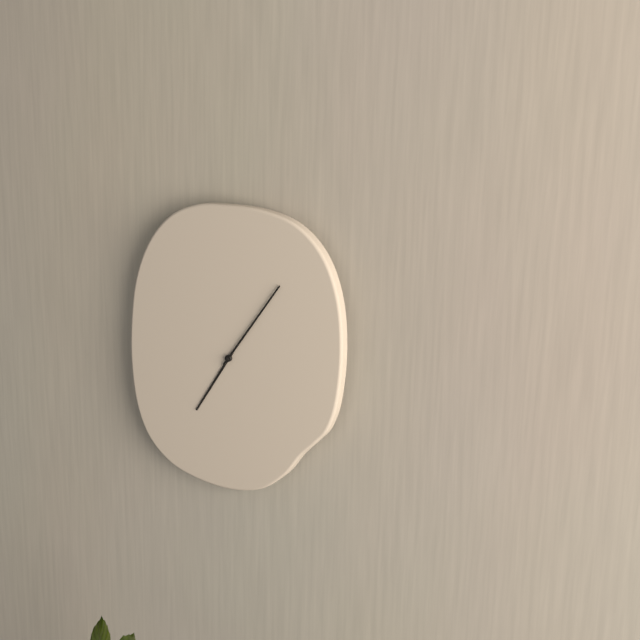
**7:06**
